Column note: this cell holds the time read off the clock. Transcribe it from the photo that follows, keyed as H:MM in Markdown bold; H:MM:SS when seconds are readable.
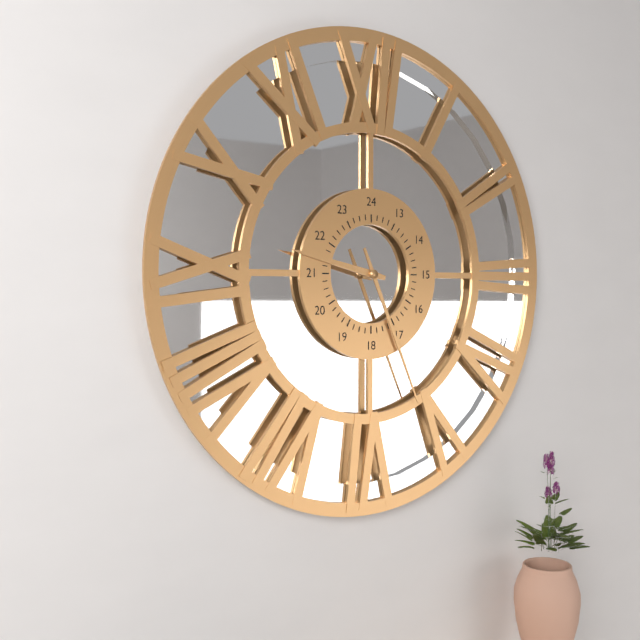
**9:26**
